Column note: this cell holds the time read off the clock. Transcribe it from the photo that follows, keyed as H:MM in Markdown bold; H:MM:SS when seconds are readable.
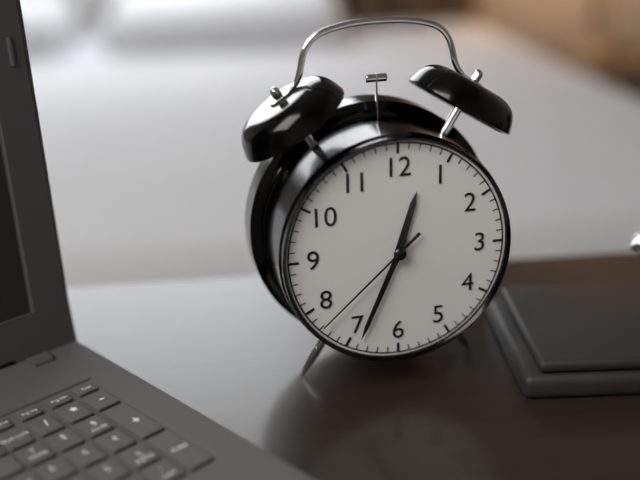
**12:34:38**
